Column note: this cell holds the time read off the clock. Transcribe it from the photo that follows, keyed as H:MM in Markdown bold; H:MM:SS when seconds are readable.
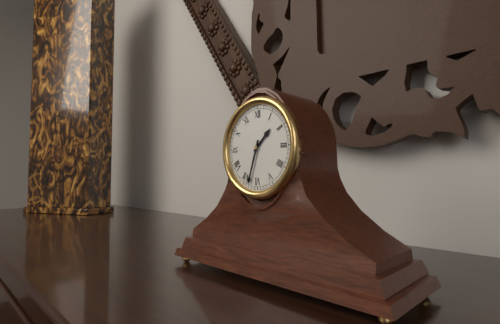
**1:33**
